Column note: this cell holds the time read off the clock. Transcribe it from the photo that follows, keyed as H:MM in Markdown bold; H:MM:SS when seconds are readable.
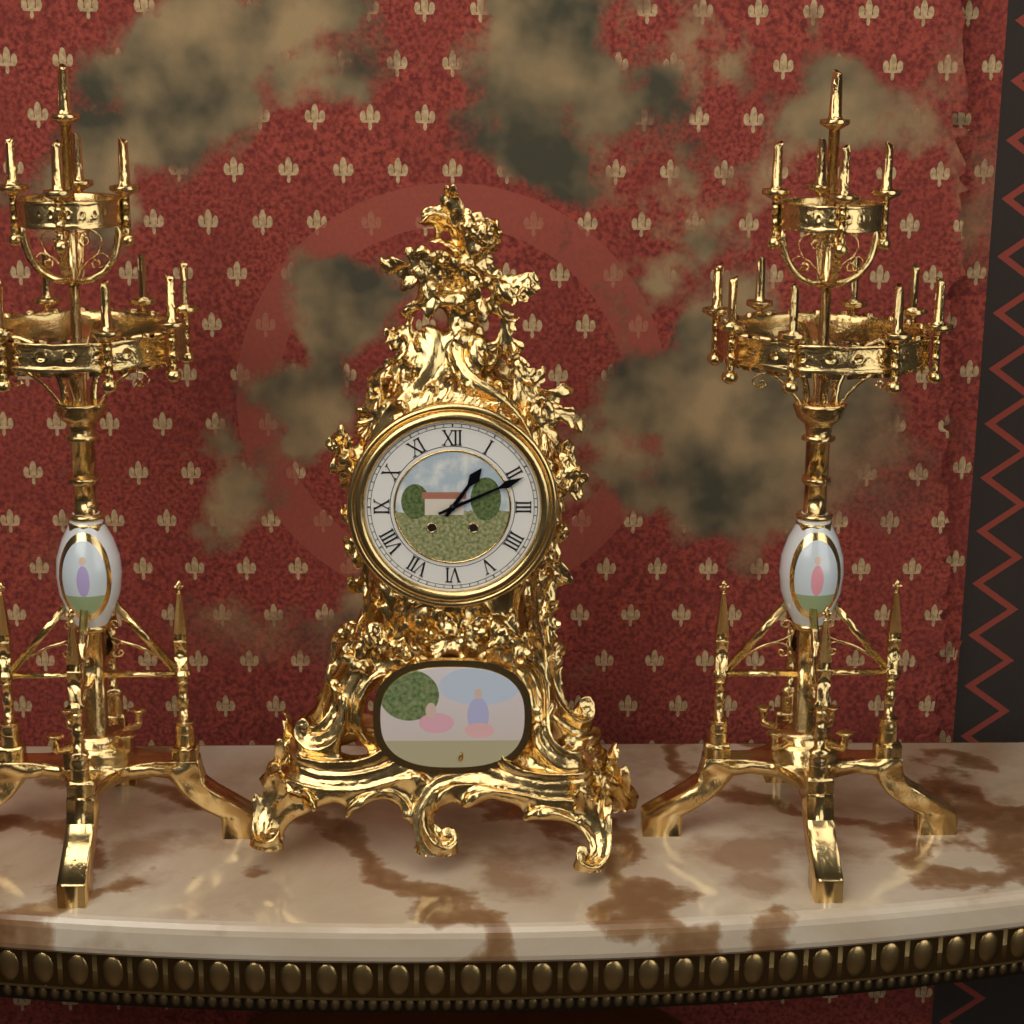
**1:11**
